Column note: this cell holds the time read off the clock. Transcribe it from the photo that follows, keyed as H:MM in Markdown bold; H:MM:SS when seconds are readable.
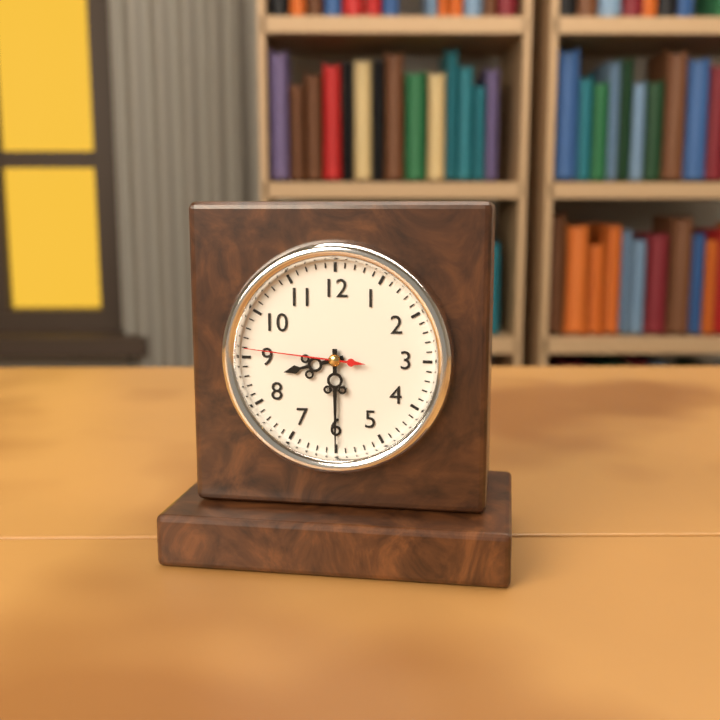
**8:30:46**
